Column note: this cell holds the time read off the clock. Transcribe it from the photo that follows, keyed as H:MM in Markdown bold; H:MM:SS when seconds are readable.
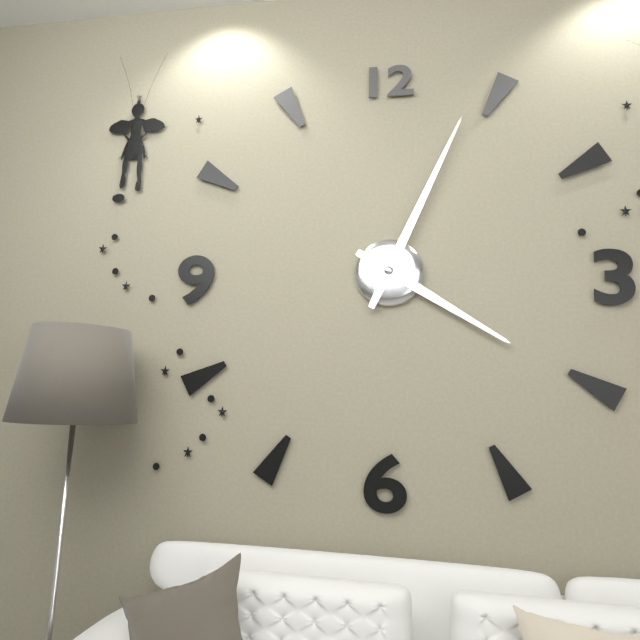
**4:04**
